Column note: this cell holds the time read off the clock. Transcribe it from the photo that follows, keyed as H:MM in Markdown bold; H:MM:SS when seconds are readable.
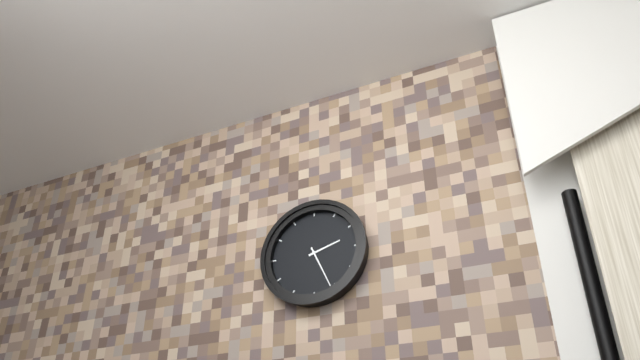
**2:26**
